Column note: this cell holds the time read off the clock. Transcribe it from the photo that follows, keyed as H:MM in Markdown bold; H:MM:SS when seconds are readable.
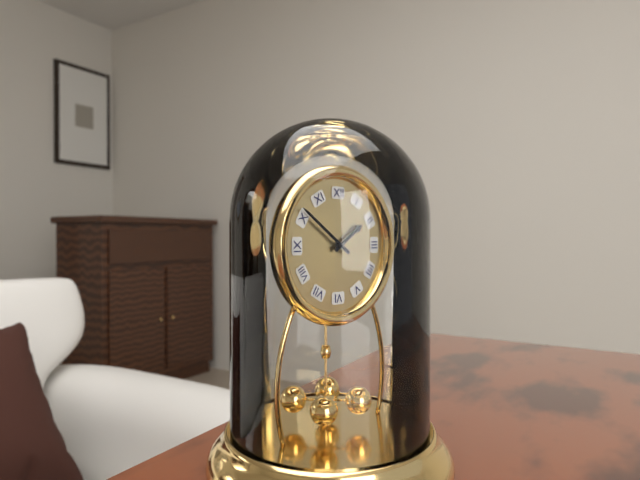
**1:51**
